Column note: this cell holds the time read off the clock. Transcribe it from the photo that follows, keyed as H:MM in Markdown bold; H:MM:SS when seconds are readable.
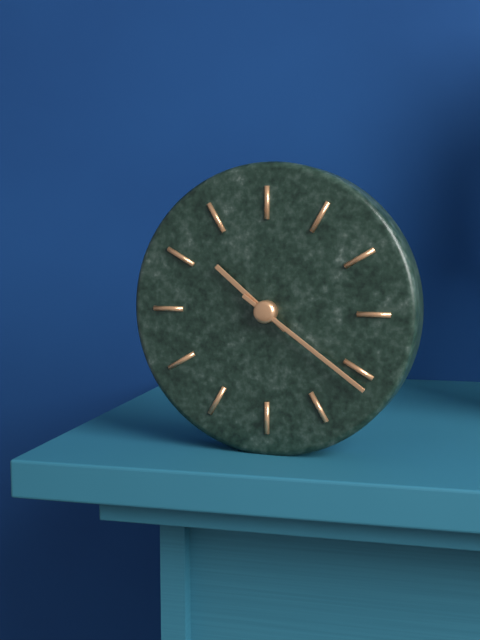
**10:21**
